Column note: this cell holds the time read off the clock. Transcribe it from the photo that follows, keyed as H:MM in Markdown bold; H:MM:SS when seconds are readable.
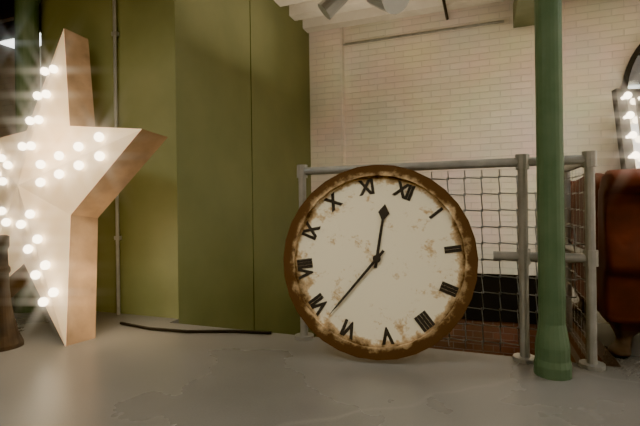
**11:33**
